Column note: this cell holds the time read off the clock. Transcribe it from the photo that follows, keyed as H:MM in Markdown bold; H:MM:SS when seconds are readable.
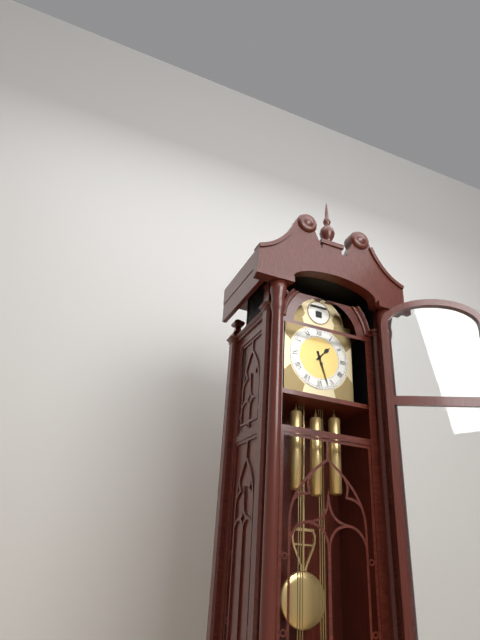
**1:27**
